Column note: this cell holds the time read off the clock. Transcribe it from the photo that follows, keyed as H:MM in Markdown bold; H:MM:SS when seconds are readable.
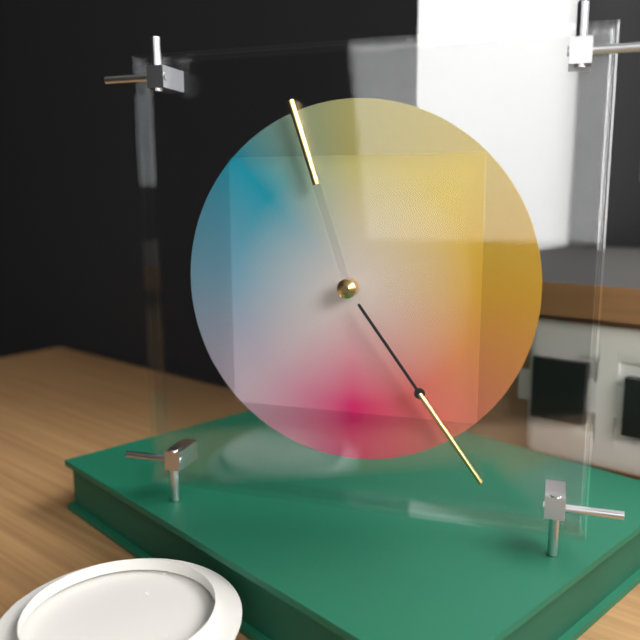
**11:24**
